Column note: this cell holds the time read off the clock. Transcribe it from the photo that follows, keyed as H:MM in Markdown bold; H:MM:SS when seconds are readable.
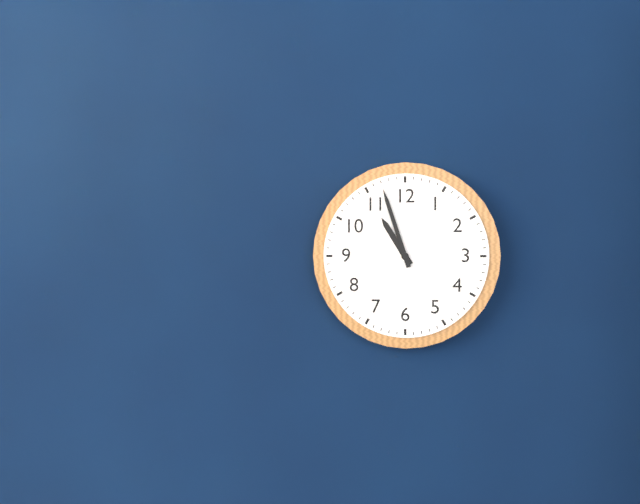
**10:57**
